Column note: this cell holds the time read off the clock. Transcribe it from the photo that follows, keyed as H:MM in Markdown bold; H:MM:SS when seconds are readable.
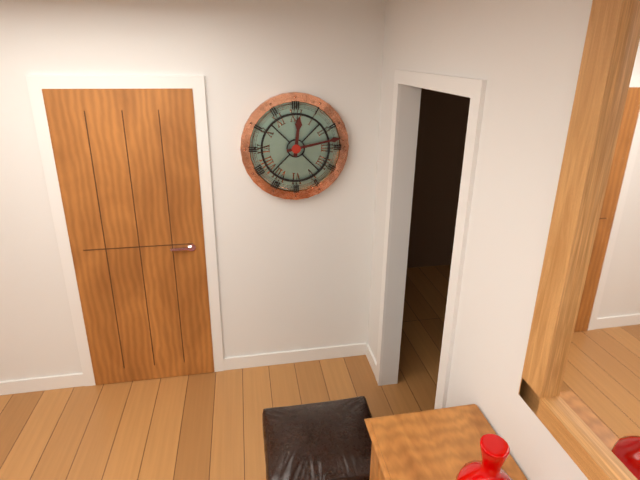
**12:13**
